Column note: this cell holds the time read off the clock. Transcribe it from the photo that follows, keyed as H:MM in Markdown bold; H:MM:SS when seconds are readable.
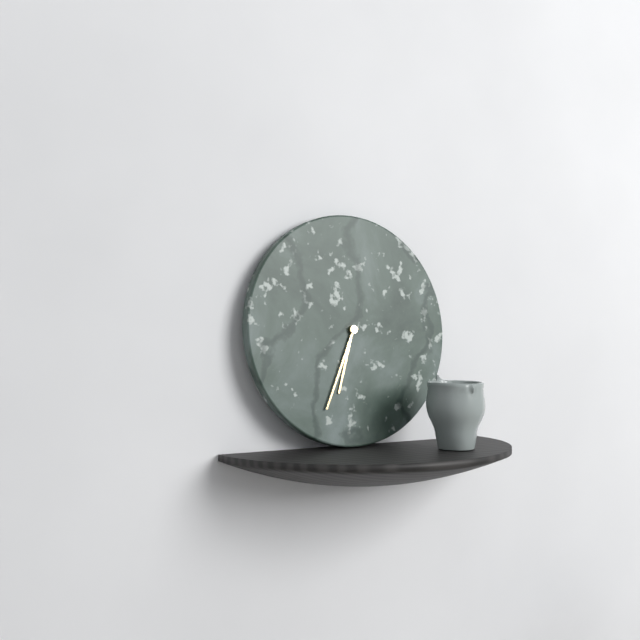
**6:34**
